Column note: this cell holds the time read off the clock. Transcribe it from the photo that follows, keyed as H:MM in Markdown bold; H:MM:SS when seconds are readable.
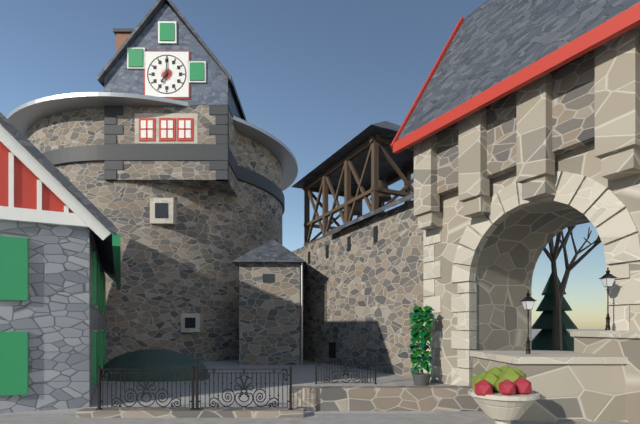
**7:00**
